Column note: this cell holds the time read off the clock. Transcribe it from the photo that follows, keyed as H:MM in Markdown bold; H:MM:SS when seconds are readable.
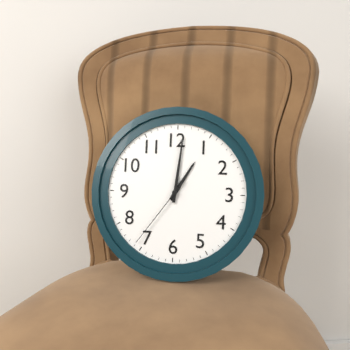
**1:01:36**
